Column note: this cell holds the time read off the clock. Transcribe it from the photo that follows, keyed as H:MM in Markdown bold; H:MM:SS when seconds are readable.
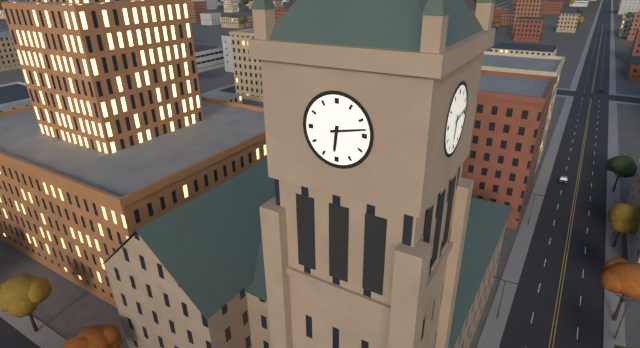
**6:13**
